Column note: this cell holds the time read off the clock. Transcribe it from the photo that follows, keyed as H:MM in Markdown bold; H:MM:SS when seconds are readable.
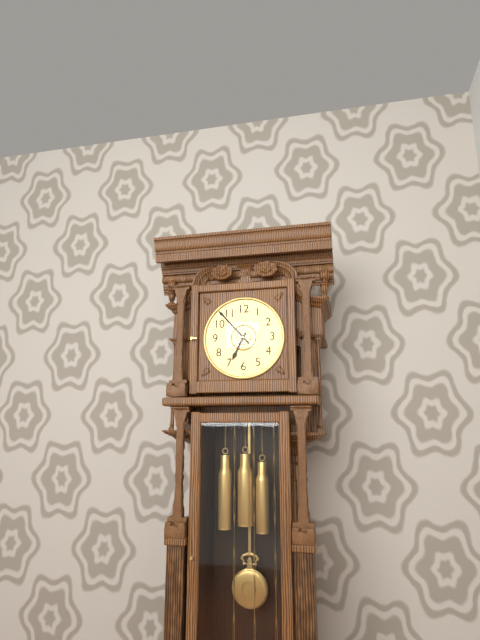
**6:53**
